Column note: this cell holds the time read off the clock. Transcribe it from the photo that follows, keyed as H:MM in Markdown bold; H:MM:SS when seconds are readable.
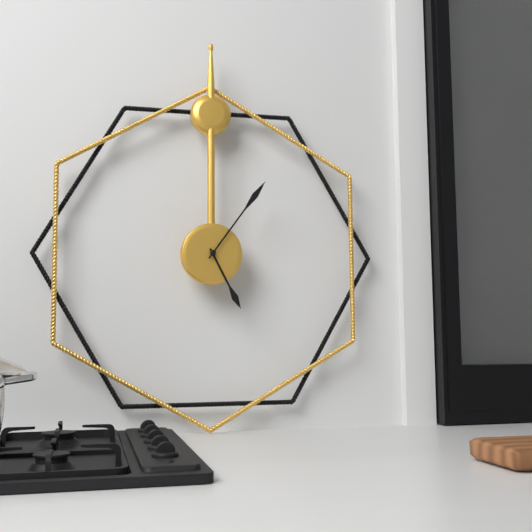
**5:06**
